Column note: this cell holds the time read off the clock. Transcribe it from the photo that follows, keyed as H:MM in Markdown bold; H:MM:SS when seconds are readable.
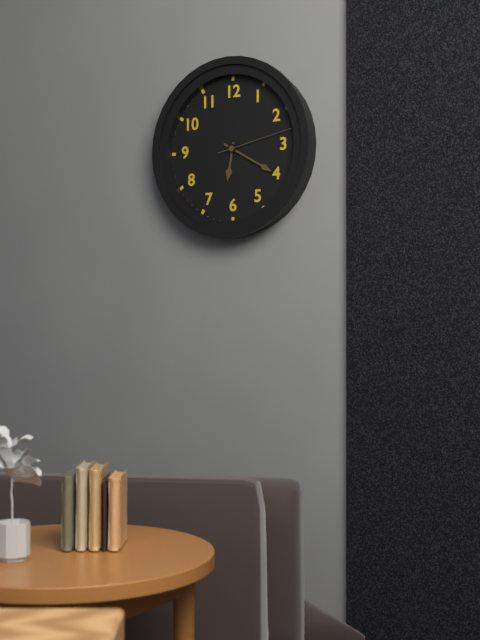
**6:20:13**
